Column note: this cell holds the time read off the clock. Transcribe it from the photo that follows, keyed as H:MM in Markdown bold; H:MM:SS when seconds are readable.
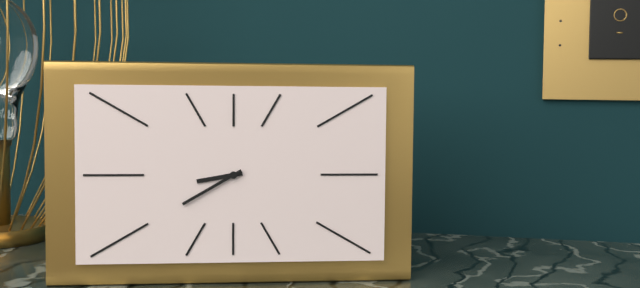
**8:40**
